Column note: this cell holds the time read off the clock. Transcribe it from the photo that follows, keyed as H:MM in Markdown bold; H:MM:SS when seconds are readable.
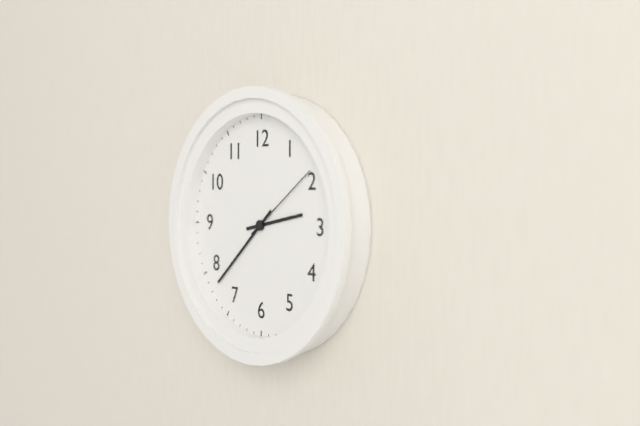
**2:38:09**
